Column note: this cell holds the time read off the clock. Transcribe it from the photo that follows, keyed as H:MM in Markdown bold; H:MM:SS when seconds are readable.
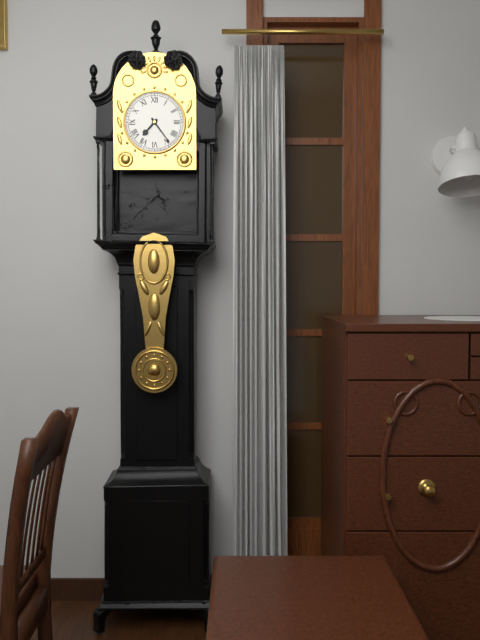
**7:24**
